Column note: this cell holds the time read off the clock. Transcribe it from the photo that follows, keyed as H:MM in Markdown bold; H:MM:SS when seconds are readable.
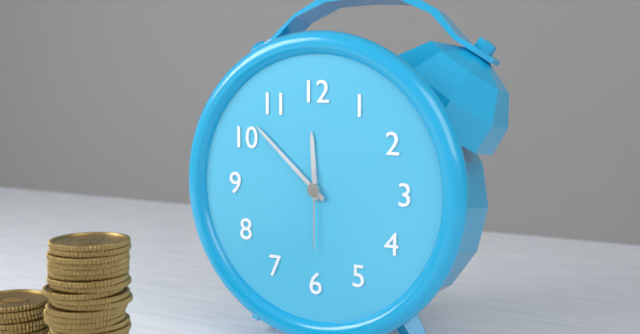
**11:52:30**
